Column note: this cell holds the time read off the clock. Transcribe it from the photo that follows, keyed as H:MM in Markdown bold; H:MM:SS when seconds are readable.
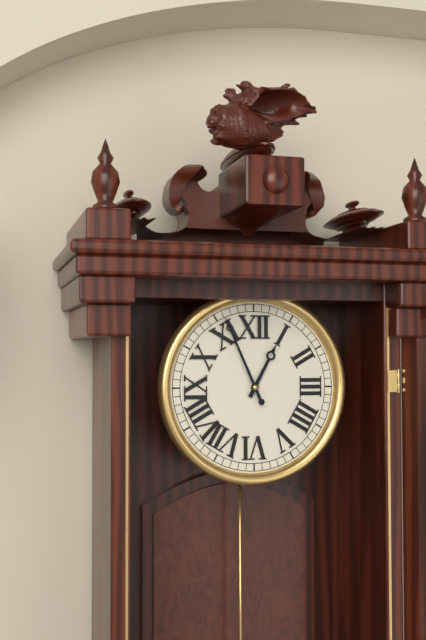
**12:56**
